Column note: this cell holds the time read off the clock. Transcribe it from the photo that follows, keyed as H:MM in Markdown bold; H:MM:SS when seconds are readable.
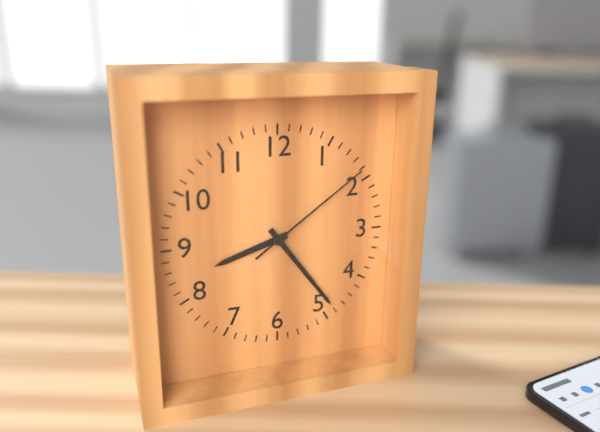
**8:24:09**
